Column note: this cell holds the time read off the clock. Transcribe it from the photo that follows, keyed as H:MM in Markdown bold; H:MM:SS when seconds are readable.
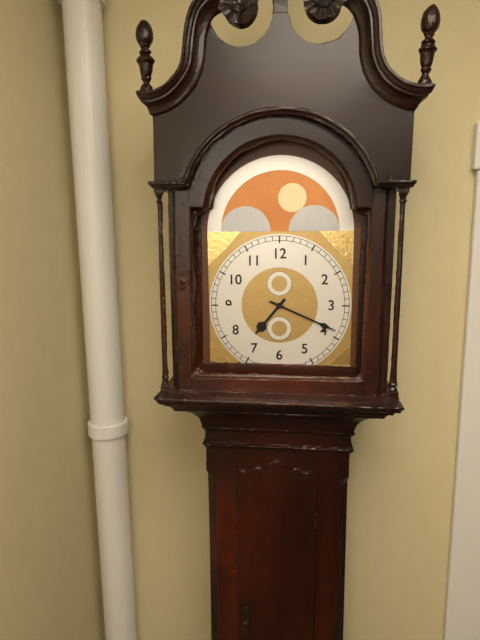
**7:19**
